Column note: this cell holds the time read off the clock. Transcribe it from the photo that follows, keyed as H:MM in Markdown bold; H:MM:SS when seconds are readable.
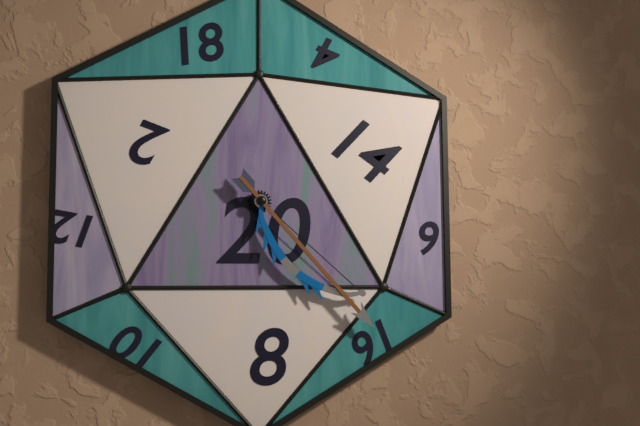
**4:23**
